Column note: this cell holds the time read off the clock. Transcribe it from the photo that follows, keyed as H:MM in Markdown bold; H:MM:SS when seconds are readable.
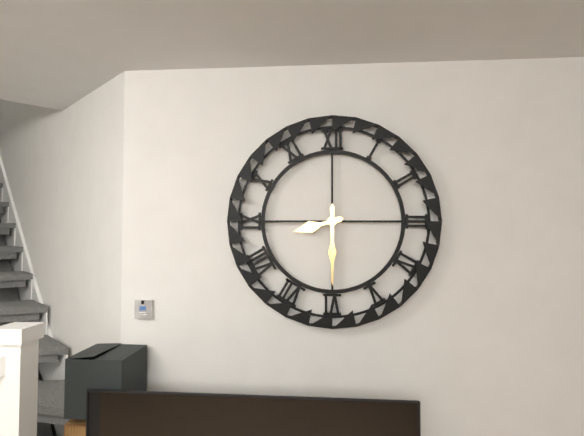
**8:30**
